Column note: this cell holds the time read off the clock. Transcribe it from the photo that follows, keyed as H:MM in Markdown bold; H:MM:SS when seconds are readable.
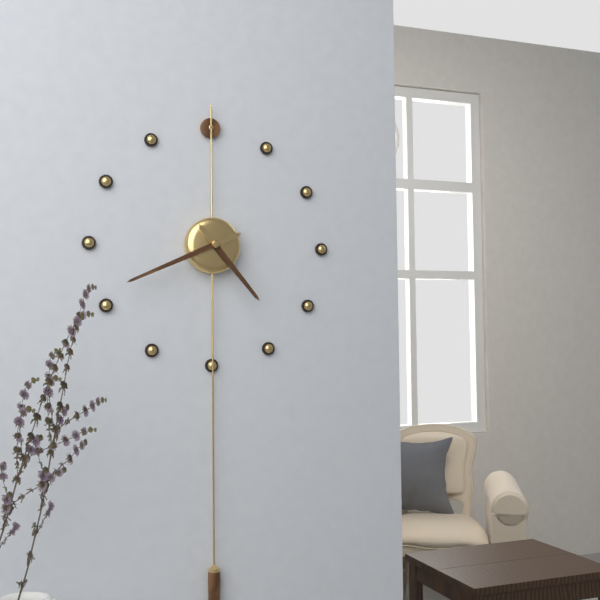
**4:41**
